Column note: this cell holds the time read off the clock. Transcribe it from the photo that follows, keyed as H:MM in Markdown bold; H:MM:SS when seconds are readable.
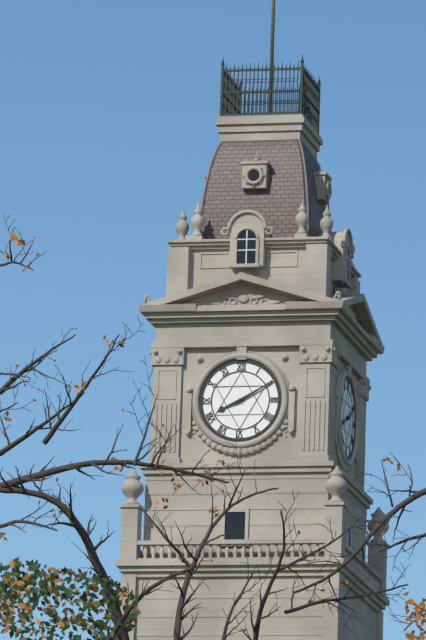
**8:10**
